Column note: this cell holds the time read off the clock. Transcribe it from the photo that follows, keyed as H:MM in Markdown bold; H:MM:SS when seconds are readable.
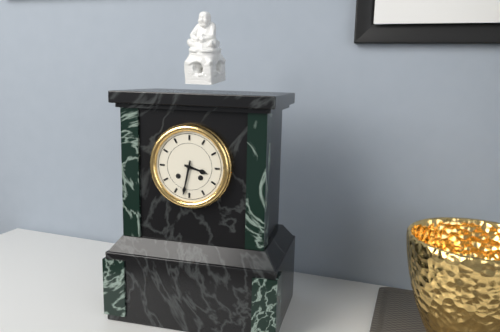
**3:32**
